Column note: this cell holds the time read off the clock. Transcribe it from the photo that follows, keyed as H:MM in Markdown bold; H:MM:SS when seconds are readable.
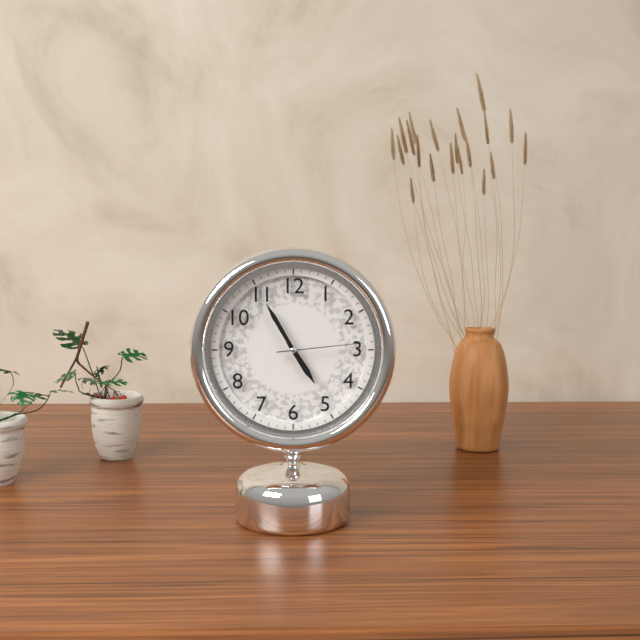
**4:55:14**
